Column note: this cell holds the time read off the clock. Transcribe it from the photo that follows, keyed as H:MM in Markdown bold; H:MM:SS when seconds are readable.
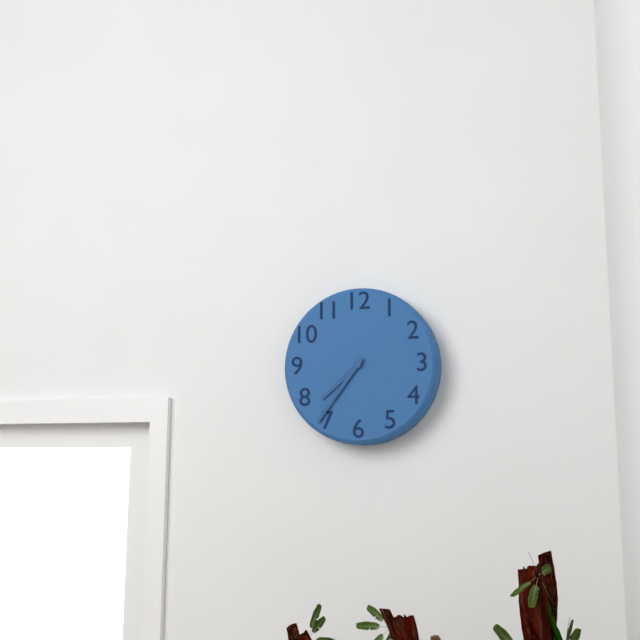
**7:36**
